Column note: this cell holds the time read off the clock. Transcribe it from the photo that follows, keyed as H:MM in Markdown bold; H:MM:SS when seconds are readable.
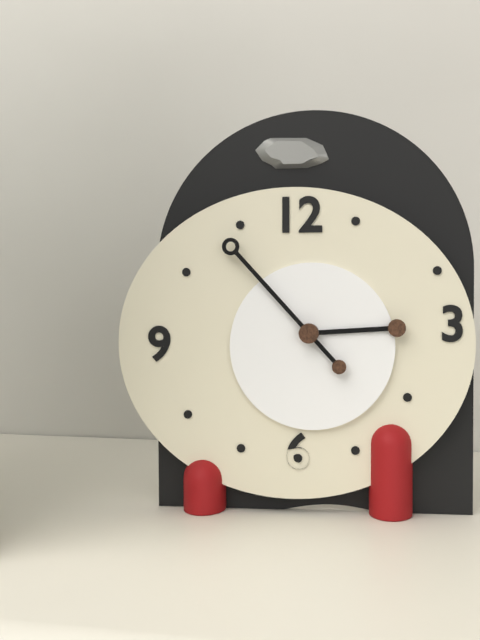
**2:53**
